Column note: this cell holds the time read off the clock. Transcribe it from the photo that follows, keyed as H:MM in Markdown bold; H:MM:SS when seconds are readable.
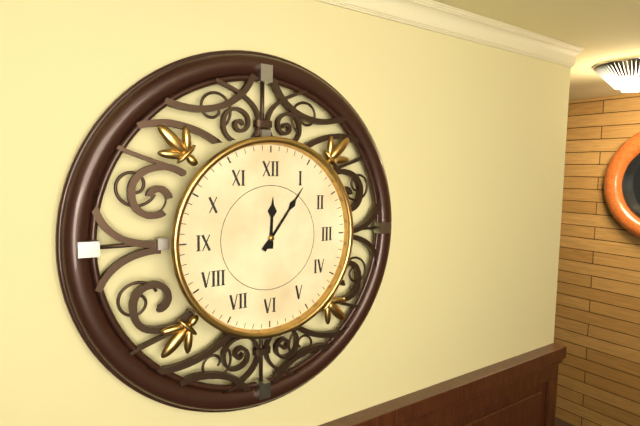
**12:06**
